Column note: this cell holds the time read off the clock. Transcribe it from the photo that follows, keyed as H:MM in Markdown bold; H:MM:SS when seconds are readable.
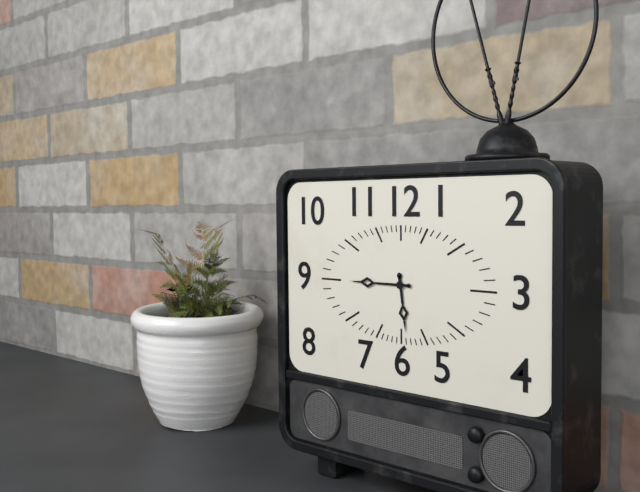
**5:45**
